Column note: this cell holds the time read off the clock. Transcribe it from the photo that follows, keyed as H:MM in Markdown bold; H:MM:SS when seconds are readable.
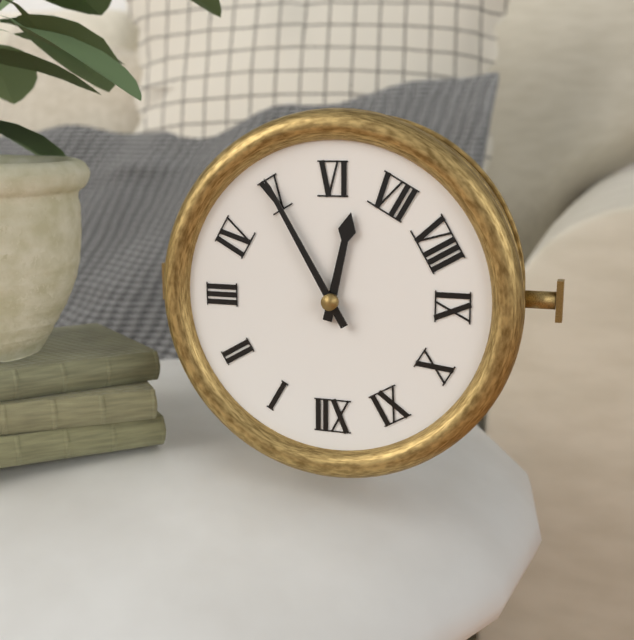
**6:25**
